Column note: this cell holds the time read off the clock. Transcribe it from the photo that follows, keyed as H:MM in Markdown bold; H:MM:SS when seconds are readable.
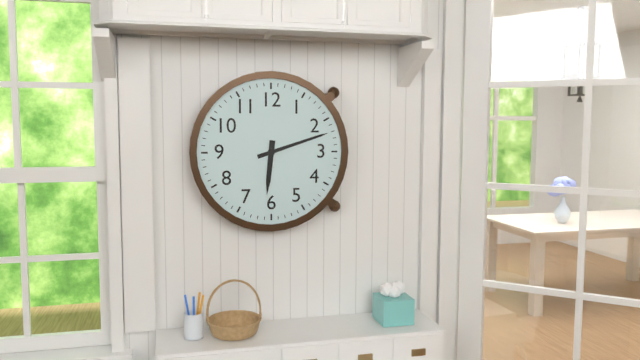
**6:12**
